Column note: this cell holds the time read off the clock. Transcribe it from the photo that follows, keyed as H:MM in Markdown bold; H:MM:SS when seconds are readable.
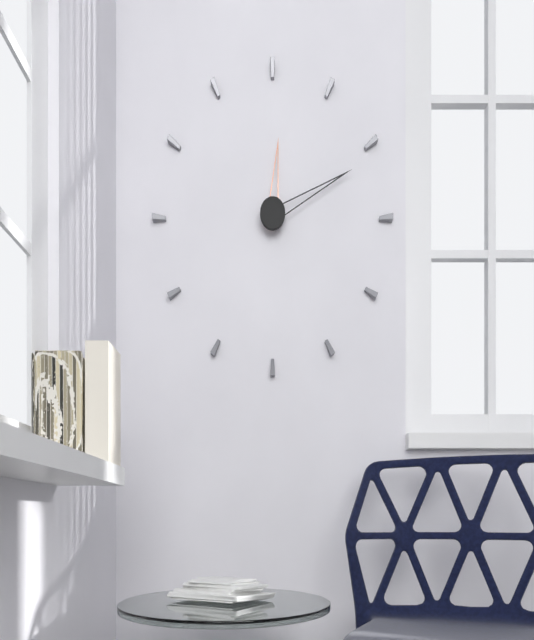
**12:11**
